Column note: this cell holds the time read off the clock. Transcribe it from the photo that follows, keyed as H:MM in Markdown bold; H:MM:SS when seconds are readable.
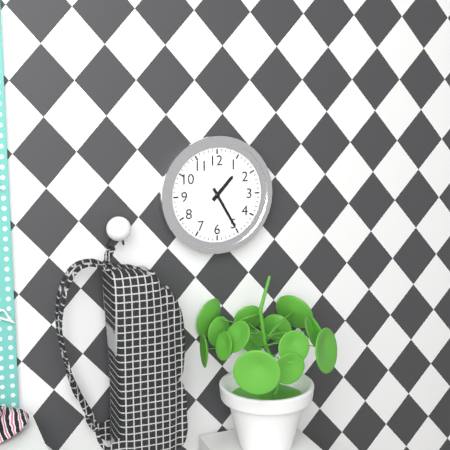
**1:25**
